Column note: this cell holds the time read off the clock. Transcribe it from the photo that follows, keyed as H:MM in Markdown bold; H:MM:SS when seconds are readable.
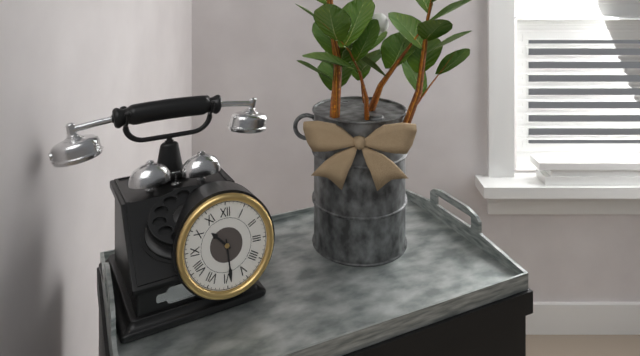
**10:29**
